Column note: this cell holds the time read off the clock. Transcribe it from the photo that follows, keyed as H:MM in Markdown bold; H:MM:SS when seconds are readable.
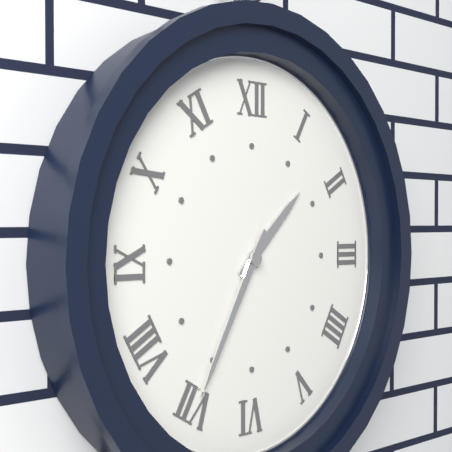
**1:35**
